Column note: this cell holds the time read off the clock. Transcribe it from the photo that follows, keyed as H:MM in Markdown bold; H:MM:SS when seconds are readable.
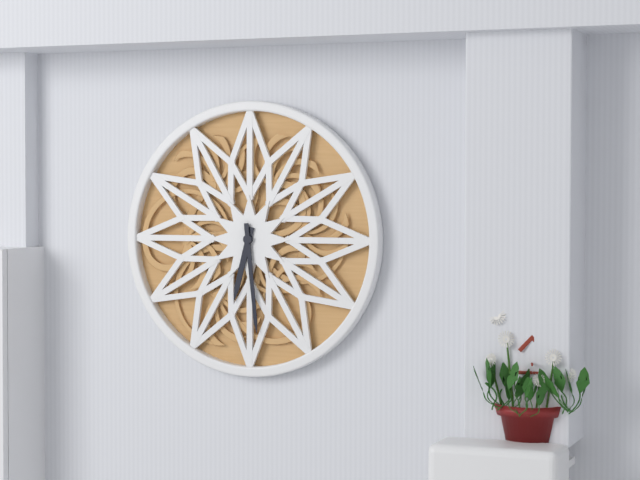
**6:29**
